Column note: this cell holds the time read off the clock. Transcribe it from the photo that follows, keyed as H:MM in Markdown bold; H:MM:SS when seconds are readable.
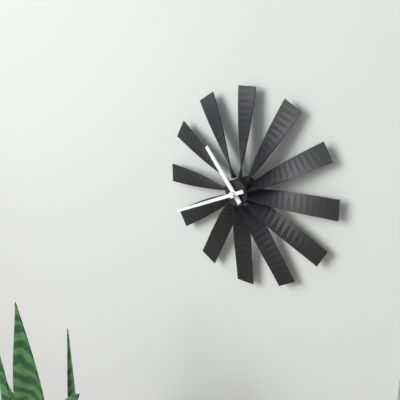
**10:41**
